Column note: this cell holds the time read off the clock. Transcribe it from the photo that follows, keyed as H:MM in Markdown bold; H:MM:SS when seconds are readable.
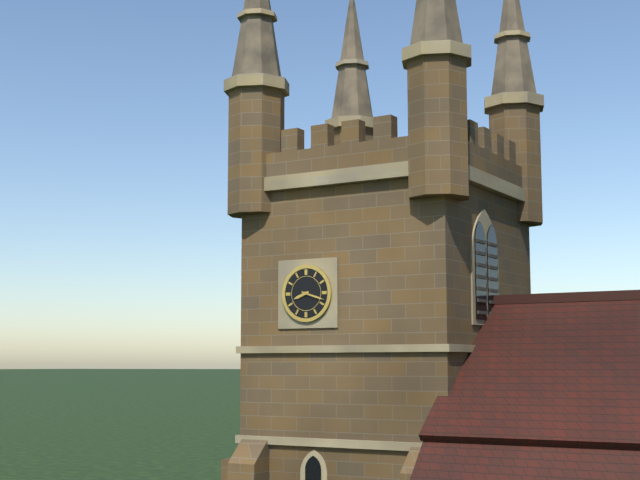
**8:18**
